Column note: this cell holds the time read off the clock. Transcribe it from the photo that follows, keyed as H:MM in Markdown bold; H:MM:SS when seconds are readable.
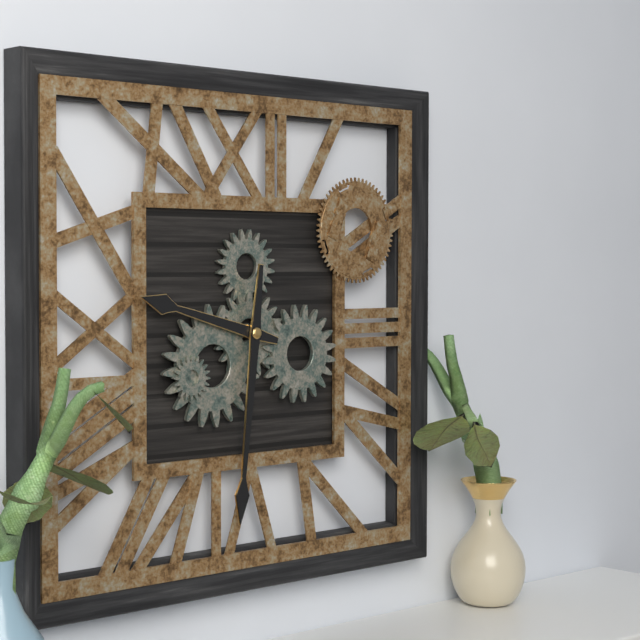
**9:31**
